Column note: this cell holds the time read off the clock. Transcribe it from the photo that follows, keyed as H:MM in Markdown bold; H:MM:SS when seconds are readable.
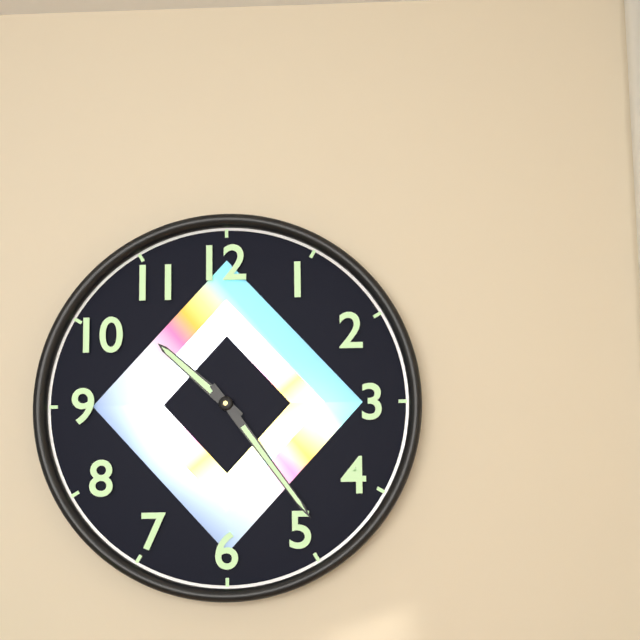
**10:24**
